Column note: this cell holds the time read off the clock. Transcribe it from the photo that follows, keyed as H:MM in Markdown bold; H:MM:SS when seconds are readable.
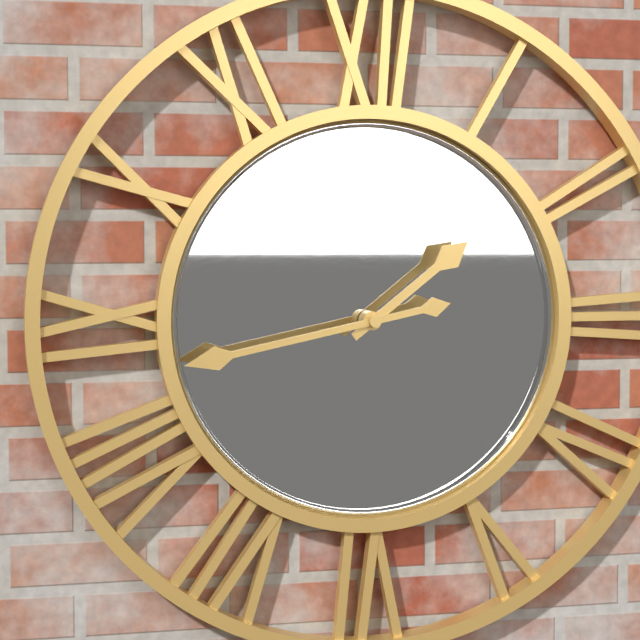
**1:43**
